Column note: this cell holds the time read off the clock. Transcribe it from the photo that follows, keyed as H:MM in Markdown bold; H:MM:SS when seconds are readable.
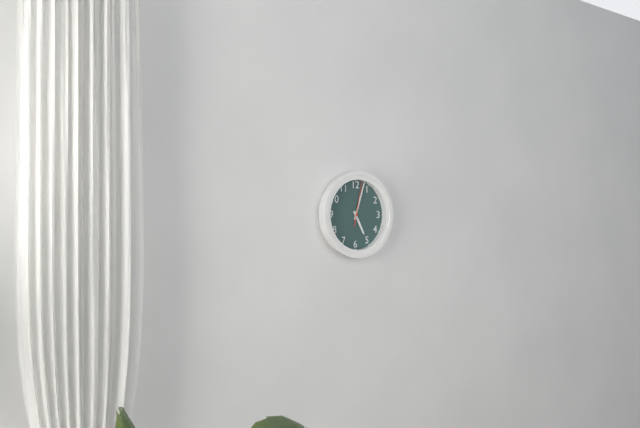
**5:03**
